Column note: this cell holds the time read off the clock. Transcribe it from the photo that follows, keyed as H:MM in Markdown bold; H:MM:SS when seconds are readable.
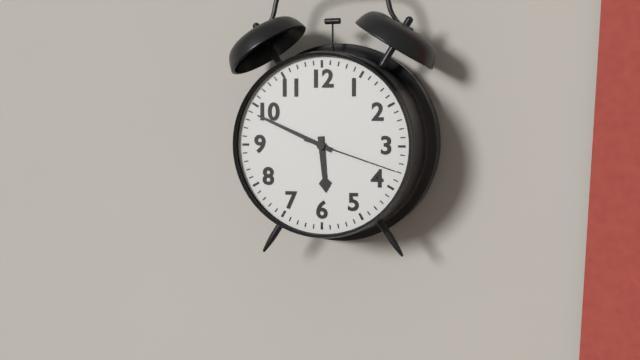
**5:49:18**
